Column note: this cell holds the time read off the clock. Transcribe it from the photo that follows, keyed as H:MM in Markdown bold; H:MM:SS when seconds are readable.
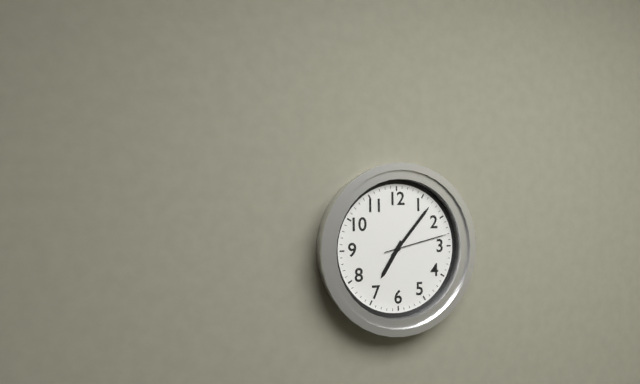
**7:07:13**
